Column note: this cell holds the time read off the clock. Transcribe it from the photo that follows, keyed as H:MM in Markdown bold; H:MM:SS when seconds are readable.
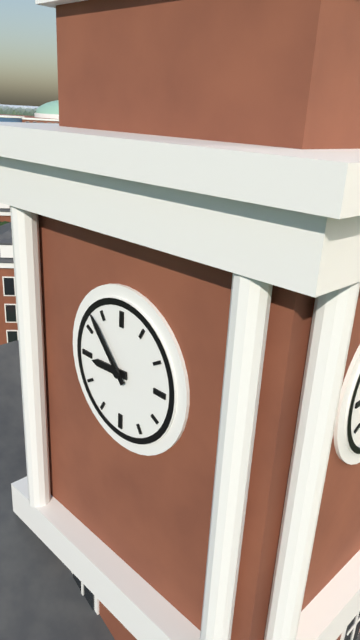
**8:53**
